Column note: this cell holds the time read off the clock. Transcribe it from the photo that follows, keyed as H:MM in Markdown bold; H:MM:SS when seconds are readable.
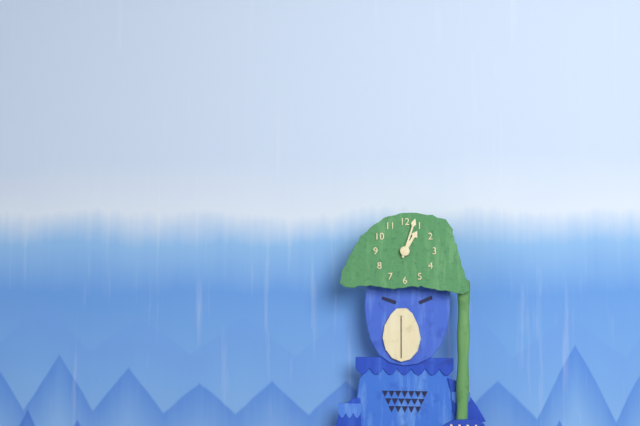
**1:03**
